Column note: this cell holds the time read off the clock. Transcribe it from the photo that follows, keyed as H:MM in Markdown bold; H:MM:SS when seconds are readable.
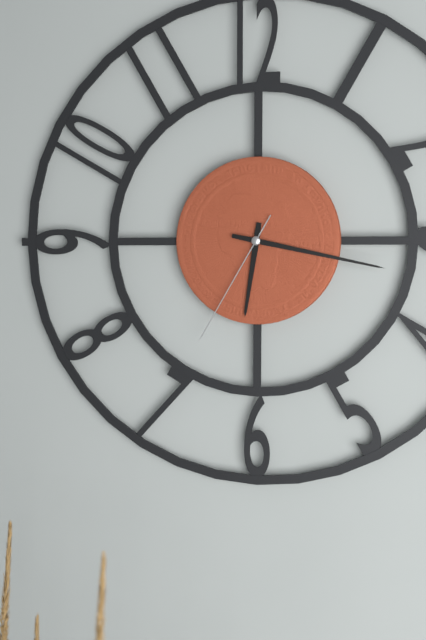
**6:17:35**
